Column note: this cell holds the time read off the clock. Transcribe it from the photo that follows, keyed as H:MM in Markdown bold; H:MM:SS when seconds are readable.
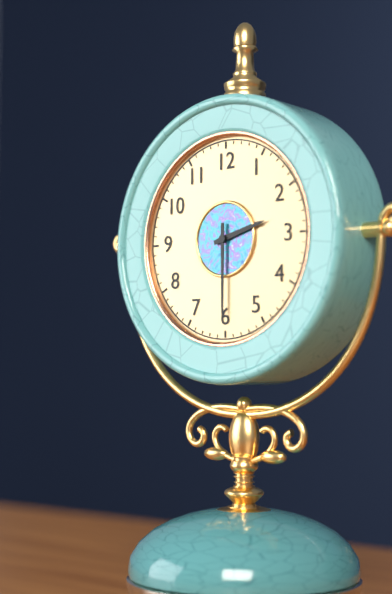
**2:30**
